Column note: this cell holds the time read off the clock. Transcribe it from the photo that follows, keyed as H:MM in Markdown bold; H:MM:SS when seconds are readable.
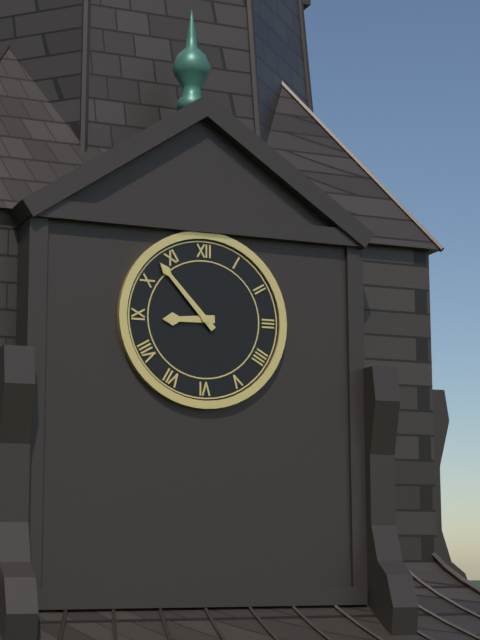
**8:53**
